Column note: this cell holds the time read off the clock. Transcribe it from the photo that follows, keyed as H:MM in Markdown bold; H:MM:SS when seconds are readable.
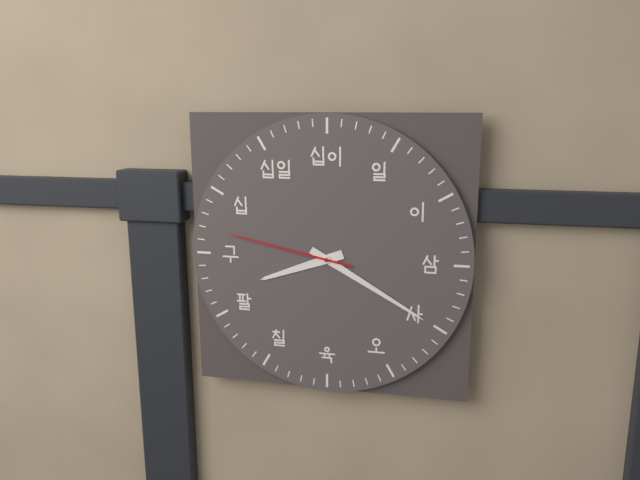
**8:20:47**
